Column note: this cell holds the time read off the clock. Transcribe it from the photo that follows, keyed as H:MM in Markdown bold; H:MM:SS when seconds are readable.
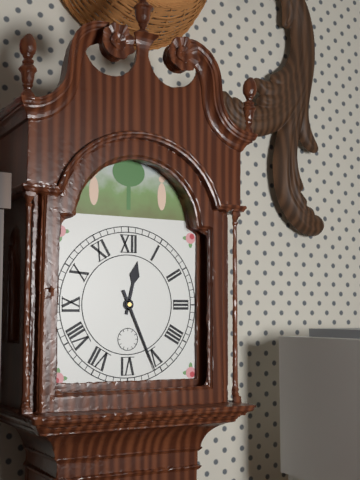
**12:26**
